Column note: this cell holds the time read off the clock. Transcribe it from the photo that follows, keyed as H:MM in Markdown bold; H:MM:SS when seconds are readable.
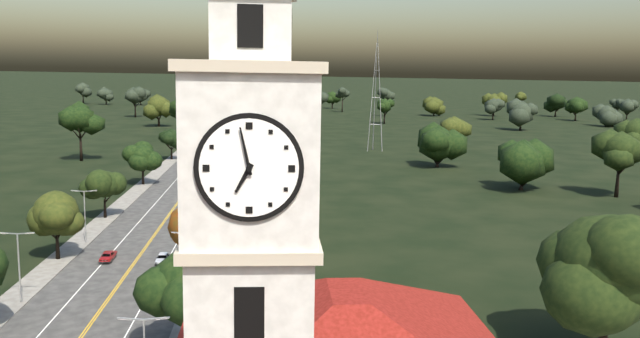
**6:58**
